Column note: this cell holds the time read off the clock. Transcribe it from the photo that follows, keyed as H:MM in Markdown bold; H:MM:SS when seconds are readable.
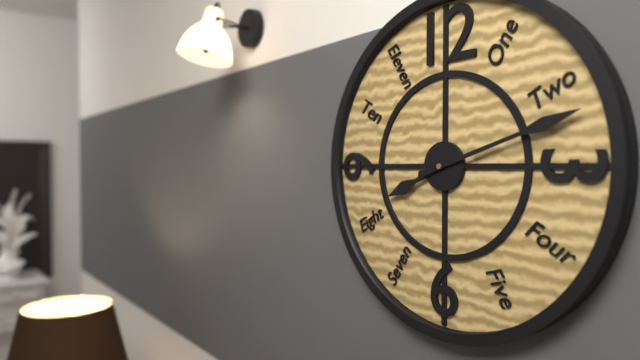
**8:12**
